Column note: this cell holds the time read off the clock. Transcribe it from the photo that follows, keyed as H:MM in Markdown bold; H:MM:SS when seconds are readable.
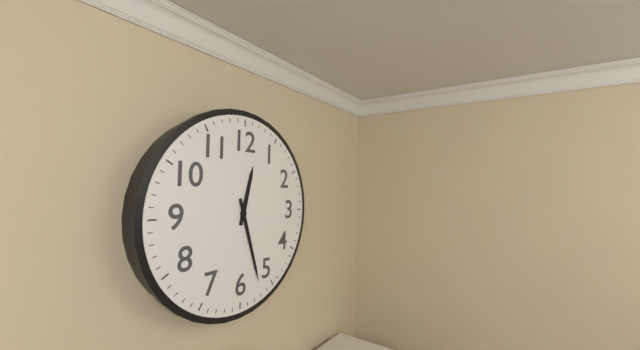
**12:27**
